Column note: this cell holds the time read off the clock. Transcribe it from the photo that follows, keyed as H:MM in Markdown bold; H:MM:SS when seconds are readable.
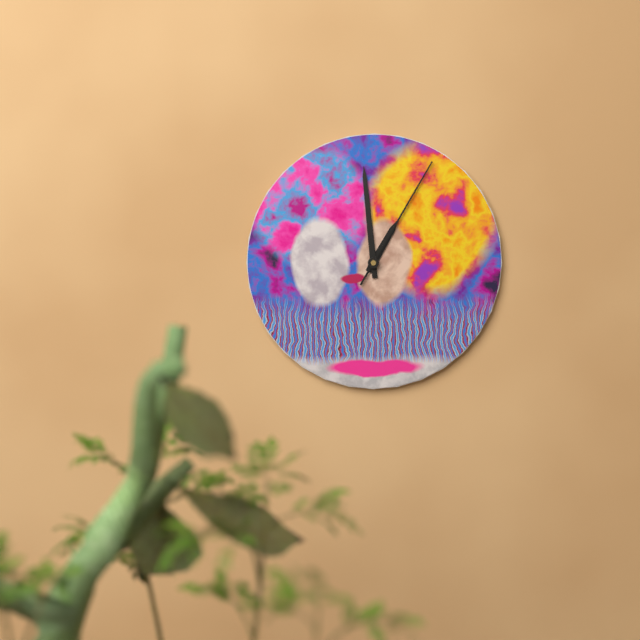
**12:59:05**
